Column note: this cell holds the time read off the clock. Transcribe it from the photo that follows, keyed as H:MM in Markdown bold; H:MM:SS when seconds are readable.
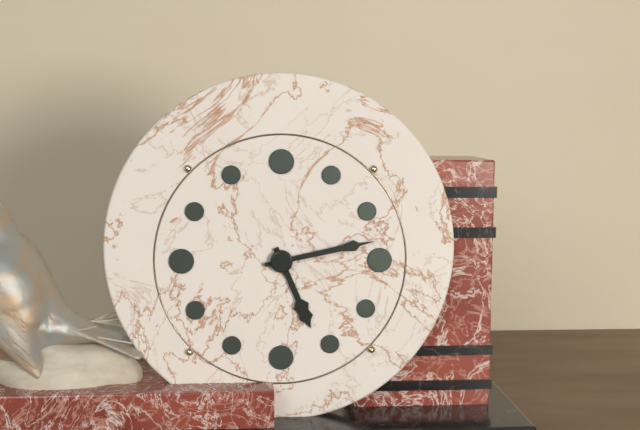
**5:13**
